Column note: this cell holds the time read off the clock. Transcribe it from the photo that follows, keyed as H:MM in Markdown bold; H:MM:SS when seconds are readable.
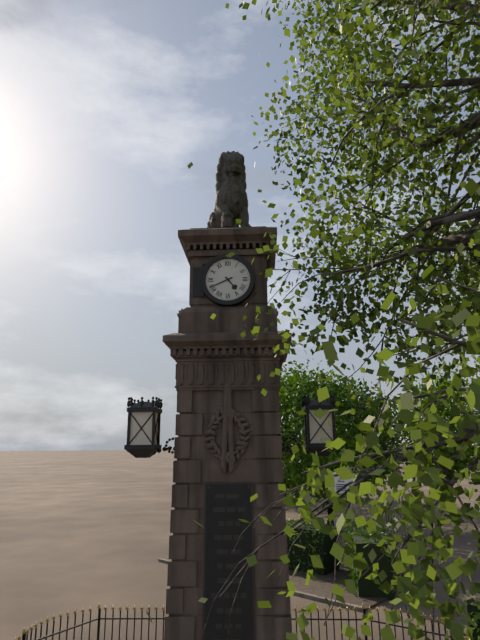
**4:41**
